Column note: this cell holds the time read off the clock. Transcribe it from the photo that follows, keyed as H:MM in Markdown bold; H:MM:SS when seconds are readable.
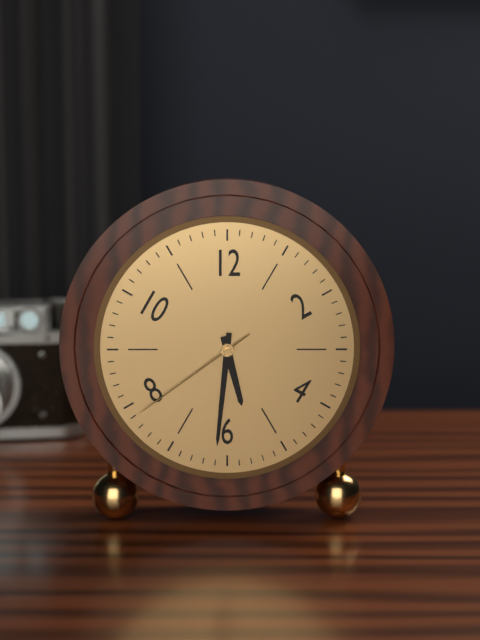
**5:31:39**
